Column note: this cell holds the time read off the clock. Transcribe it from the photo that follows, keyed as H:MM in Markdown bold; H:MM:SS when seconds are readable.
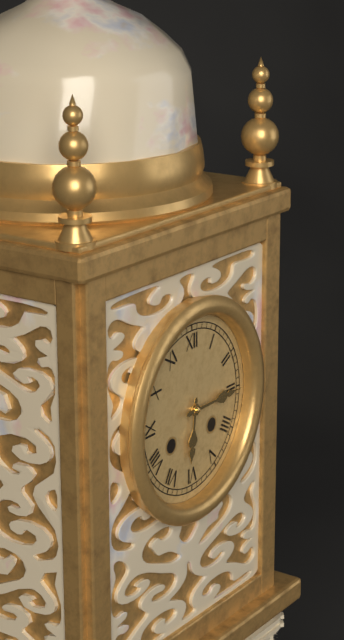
**6:15**
